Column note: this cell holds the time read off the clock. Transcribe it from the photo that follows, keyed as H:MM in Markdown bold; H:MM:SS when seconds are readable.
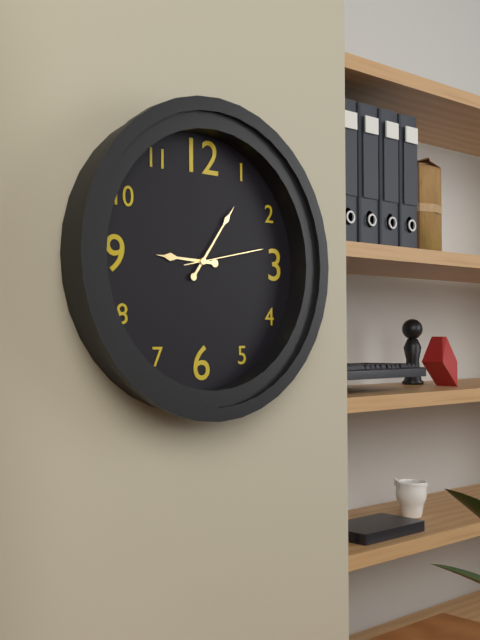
**9:06:13**
